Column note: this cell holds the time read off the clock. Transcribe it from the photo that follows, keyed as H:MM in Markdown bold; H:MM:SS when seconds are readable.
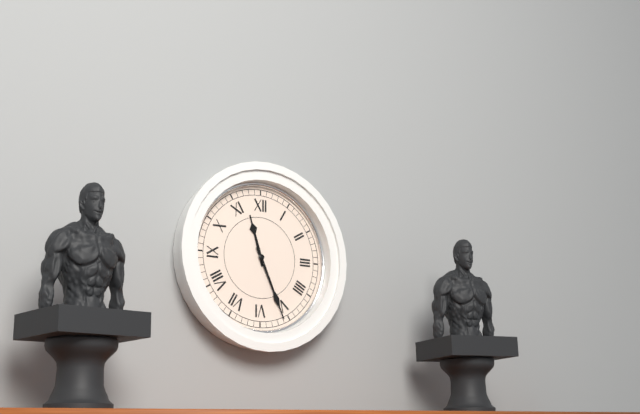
**11:26**
